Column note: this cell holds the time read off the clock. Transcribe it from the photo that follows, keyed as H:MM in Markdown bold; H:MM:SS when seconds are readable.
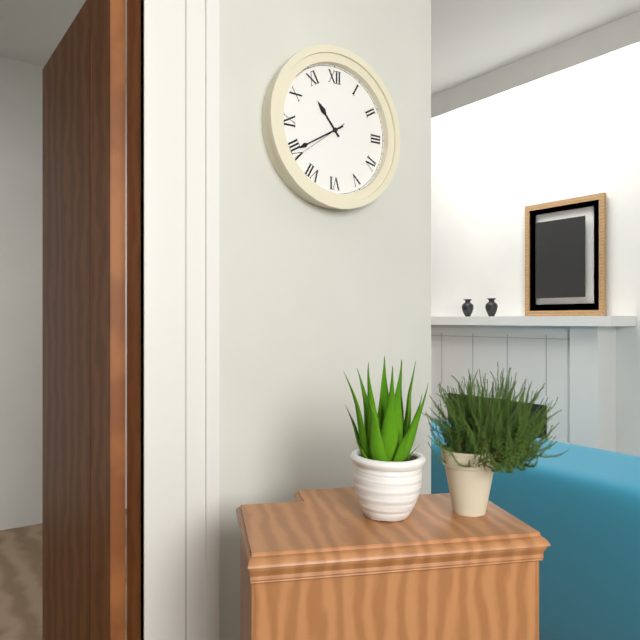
**10:40:39**
